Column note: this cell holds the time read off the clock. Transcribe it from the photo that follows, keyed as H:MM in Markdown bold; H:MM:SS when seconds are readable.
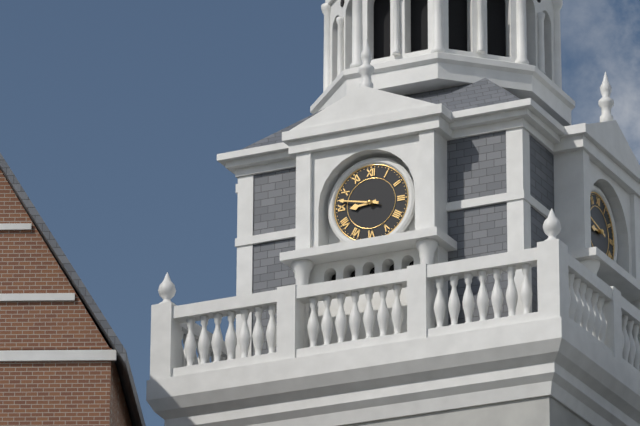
**8:47**
